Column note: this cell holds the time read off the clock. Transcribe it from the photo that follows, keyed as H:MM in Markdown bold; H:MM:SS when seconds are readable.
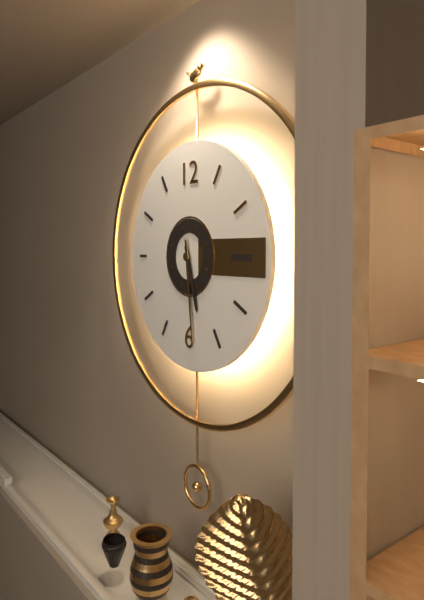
**5:29**
